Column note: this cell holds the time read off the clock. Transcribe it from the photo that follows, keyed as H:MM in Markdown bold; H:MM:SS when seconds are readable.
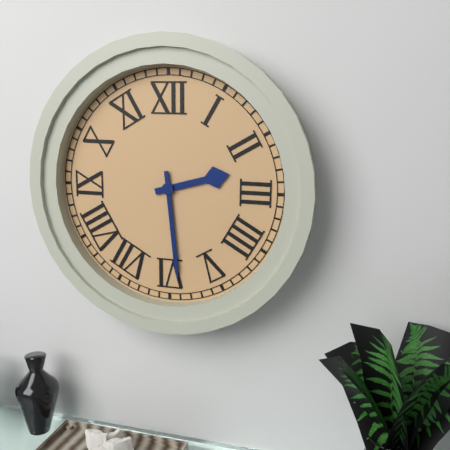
**2:29**
